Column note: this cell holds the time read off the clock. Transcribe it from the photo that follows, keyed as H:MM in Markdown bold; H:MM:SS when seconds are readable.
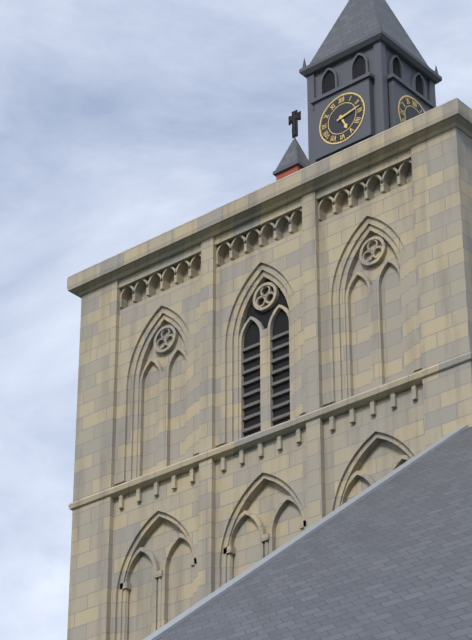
**5:13**
